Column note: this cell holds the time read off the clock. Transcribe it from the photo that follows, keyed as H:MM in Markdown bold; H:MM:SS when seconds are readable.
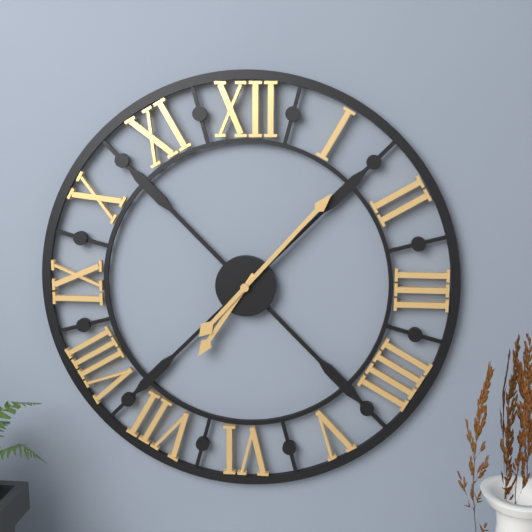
**7:07**
